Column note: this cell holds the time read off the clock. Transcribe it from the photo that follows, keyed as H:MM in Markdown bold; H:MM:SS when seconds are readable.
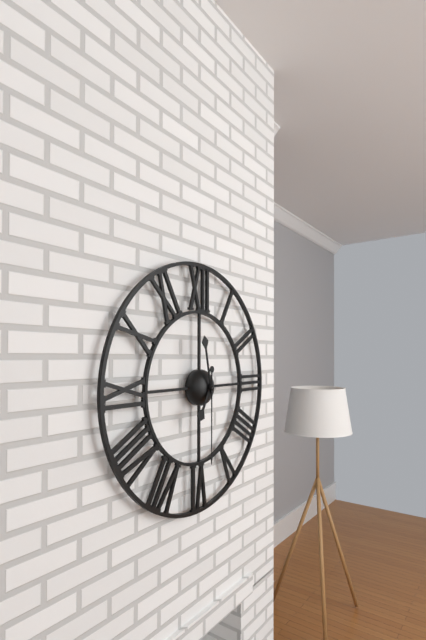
**6:58:30**
